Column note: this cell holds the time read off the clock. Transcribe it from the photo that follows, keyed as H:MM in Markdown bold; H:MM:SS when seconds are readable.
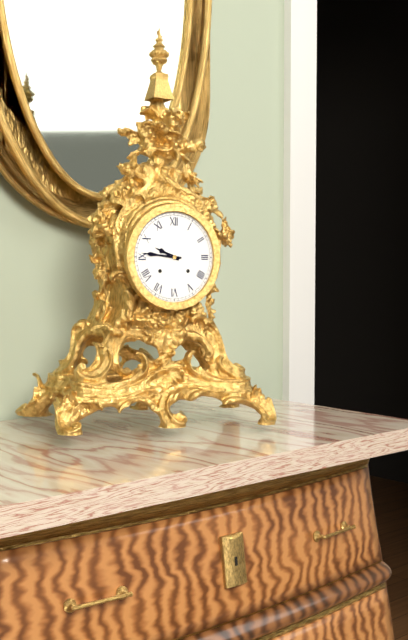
**9:46**
